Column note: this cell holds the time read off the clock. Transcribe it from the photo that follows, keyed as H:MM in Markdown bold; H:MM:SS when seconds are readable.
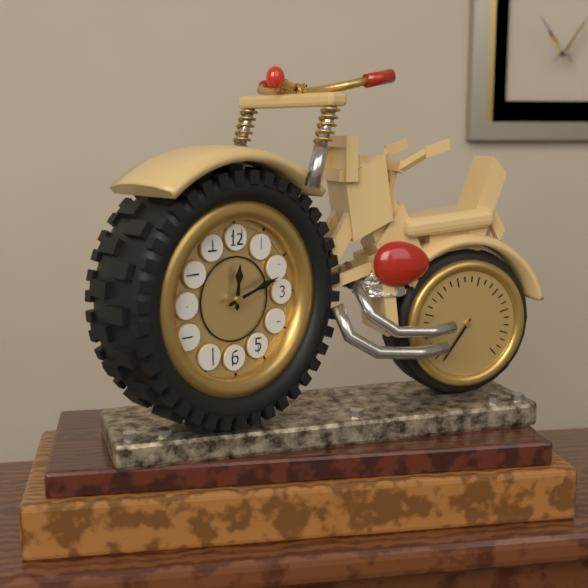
**12:12**
